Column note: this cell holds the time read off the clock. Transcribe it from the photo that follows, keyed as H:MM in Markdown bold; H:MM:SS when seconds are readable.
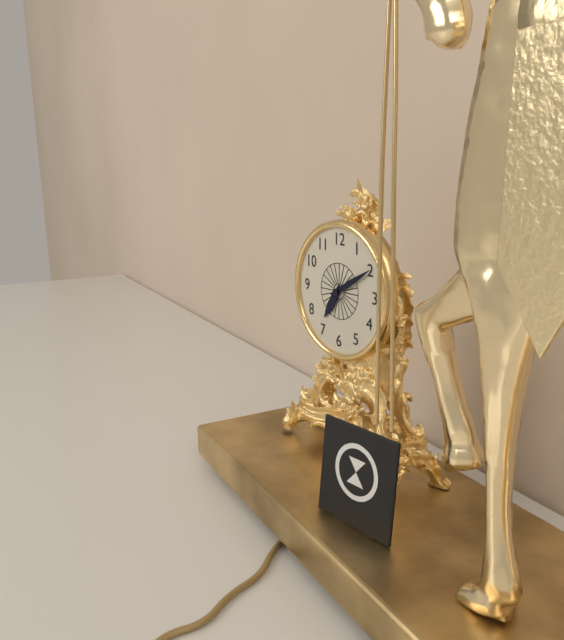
**7:10**
